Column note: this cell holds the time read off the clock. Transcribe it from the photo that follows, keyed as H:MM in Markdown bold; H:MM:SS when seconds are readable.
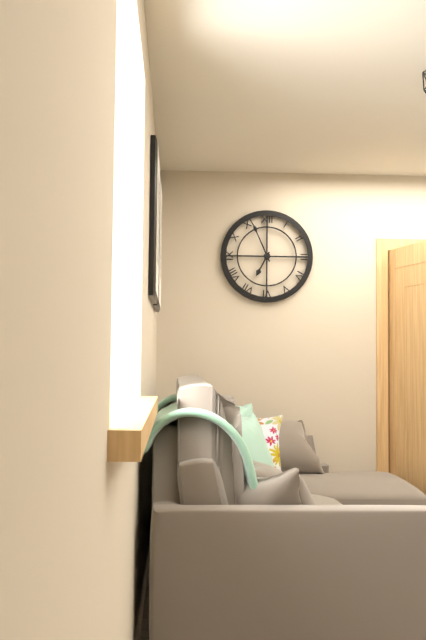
**6:56**
